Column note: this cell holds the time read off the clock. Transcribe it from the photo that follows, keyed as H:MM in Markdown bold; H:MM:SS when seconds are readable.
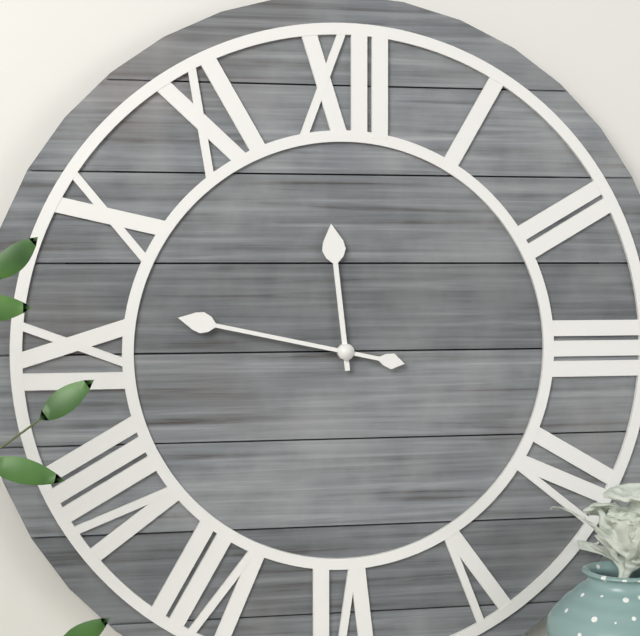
**11:47**
